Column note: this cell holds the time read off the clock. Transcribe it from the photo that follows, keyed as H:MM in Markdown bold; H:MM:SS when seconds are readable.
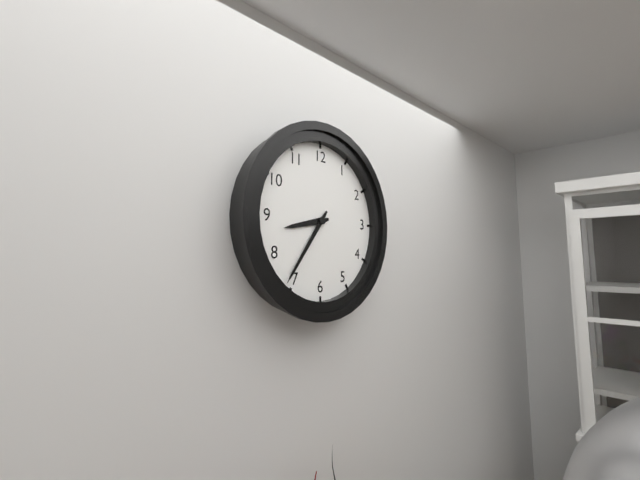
**8:36**
